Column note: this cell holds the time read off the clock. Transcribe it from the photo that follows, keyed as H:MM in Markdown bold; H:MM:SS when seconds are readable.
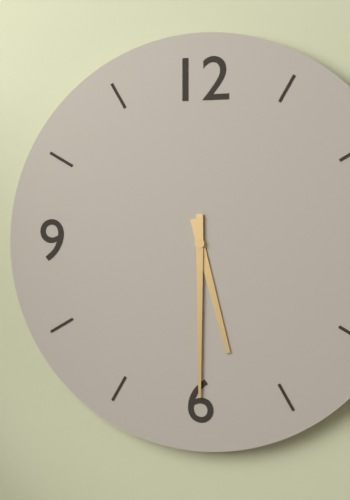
**5:30**
